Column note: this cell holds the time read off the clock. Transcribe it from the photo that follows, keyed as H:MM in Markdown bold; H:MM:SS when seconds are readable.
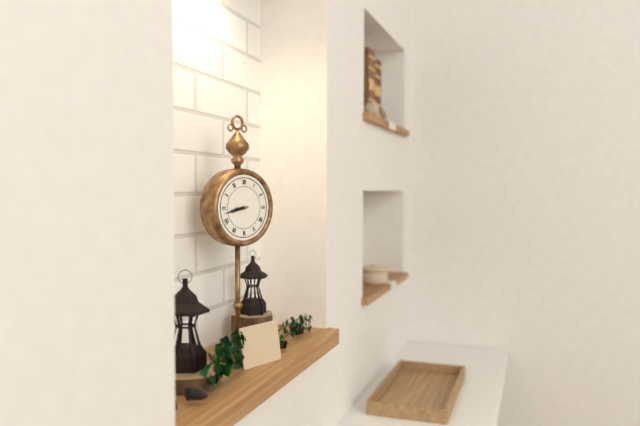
**8:43**
